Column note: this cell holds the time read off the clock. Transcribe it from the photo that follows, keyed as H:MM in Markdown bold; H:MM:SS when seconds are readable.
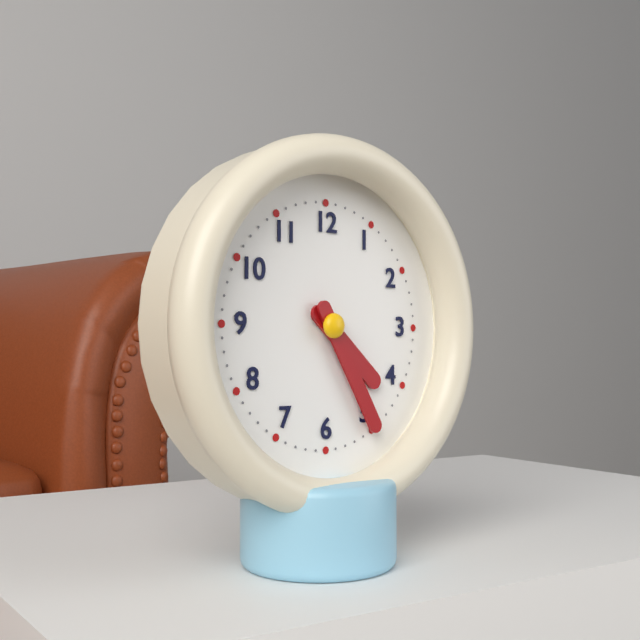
**4:25**
